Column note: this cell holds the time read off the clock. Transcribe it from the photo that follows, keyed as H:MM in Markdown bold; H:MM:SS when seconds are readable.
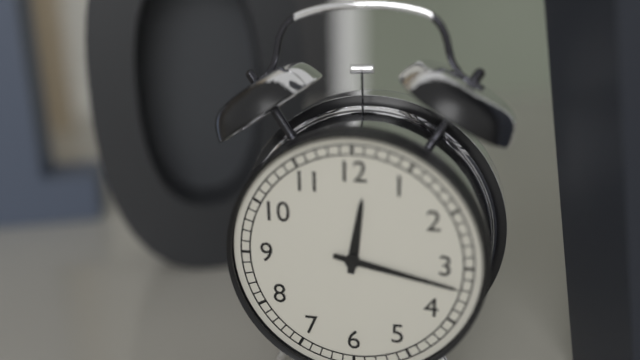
**12:17**
